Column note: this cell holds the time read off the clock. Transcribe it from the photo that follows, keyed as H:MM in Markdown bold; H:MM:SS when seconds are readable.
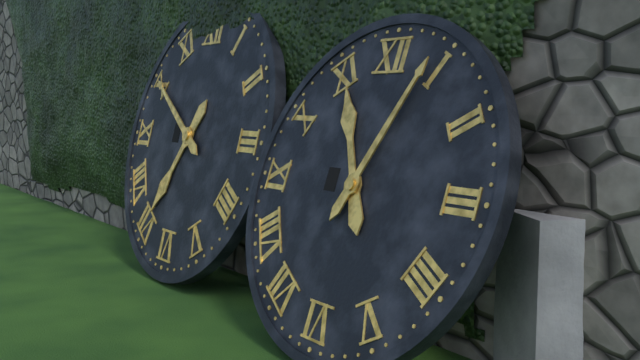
**11:04**
